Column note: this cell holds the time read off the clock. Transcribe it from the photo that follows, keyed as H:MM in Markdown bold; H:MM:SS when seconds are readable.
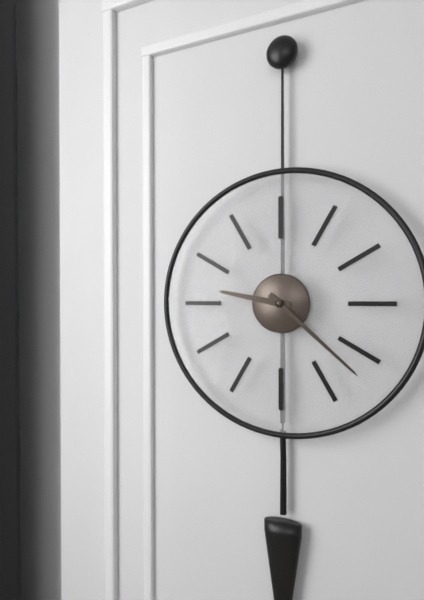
**9:22**
